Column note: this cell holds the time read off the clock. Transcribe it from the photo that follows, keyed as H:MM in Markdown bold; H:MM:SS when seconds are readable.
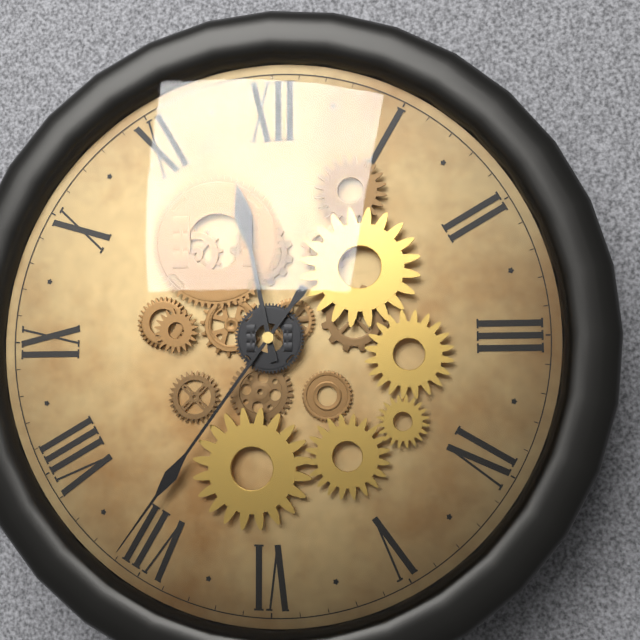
**11:36**
